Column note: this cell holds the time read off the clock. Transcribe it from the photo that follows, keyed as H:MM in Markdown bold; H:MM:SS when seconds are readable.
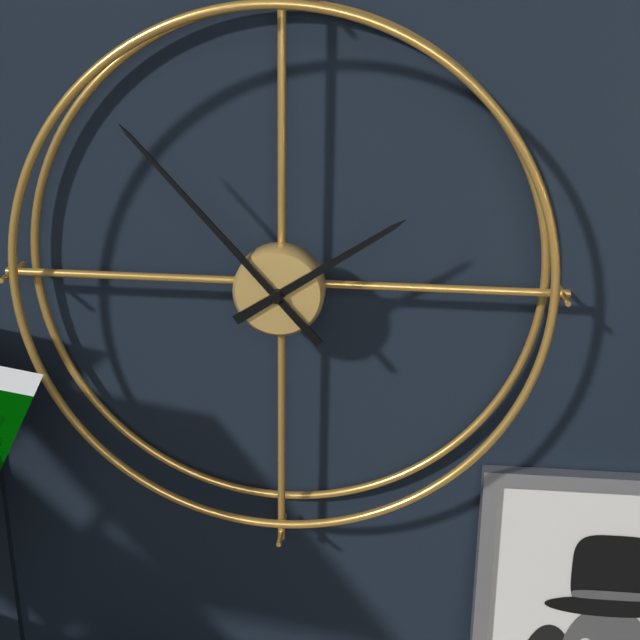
**1:53**
